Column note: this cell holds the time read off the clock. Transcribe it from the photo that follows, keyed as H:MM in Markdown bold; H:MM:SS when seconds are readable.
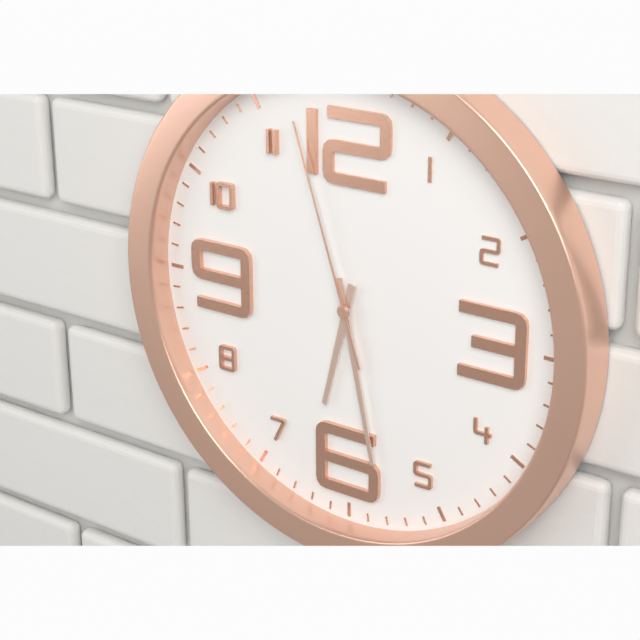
**6:28:57**
